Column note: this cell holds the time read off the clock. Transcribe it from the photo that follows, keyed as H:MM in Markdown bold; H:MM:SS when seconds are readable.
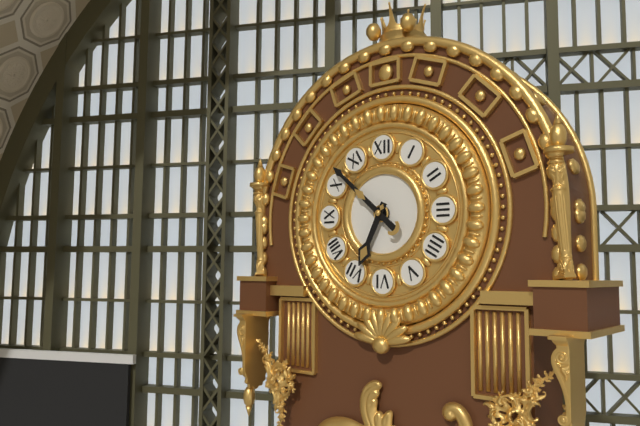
**6:52**
